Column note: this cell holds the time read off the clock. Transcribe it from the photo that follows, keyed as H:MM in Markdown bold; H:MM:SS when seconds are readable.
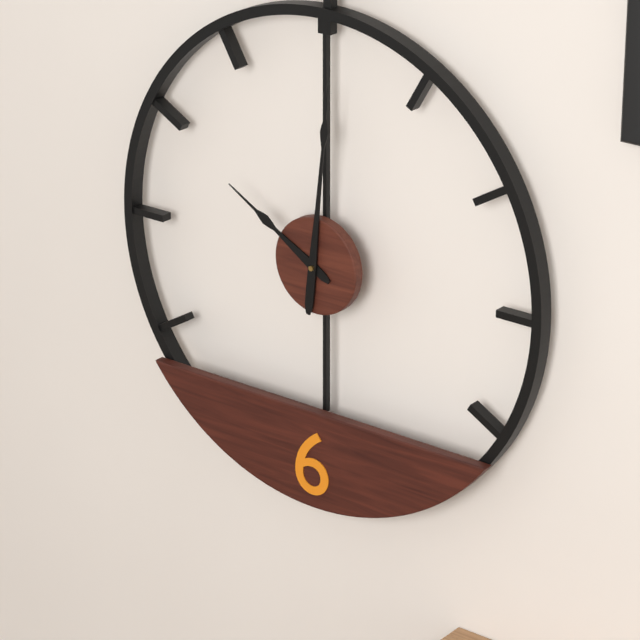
**10:01**
